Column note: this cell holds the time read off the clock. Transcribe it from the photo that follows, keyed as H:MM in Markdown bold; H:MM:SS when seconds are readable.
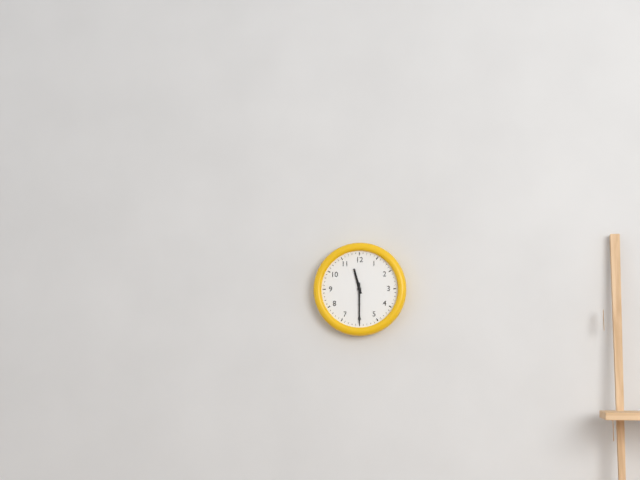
**11:30**
